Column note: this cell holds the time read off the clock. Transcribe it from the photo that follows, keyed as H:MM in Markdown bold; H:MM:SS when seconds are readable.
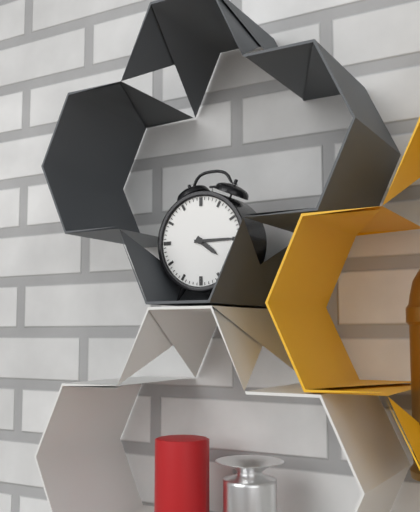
**4:15**
